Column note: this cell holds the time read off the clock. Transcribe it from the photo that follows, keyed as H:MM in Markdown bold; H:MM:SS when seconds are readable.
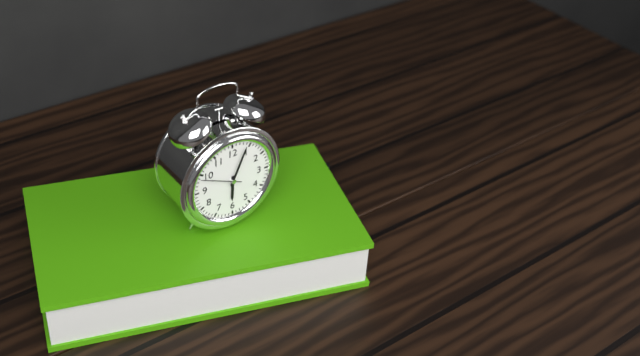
**6:04**
